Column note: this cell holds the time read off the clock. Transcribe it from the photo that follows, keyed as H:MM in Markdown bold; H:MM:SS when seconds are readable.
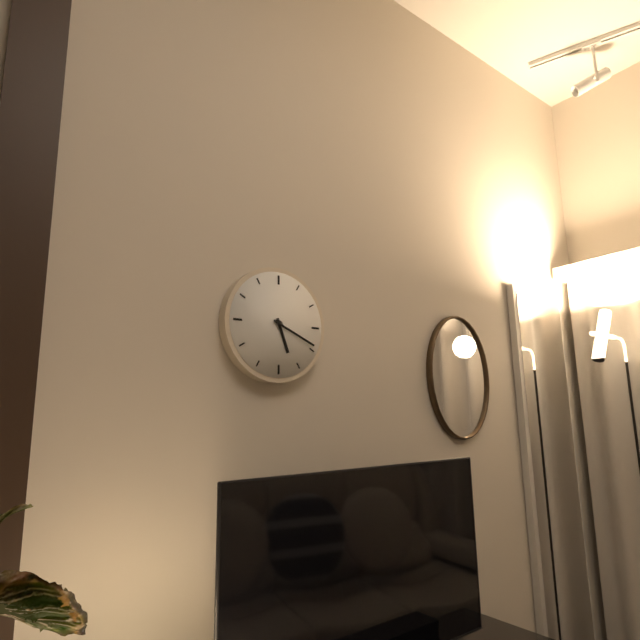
**5:19**
